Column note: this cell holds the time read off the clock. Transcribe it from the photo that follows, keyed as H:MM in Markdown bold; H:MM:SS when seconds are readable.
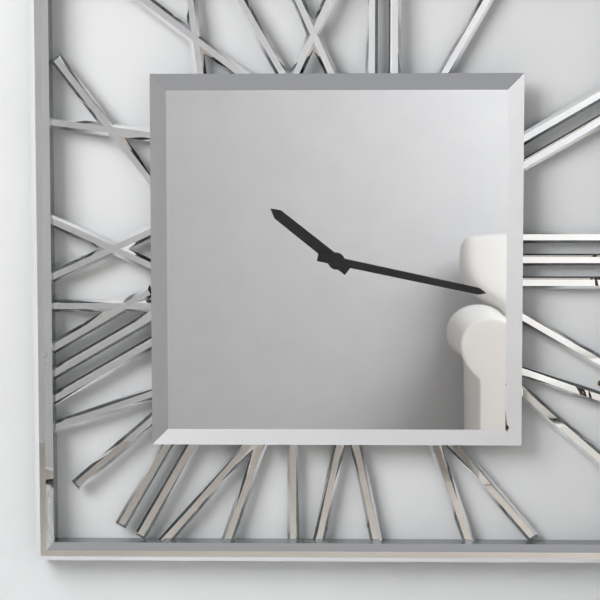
**10:17**
